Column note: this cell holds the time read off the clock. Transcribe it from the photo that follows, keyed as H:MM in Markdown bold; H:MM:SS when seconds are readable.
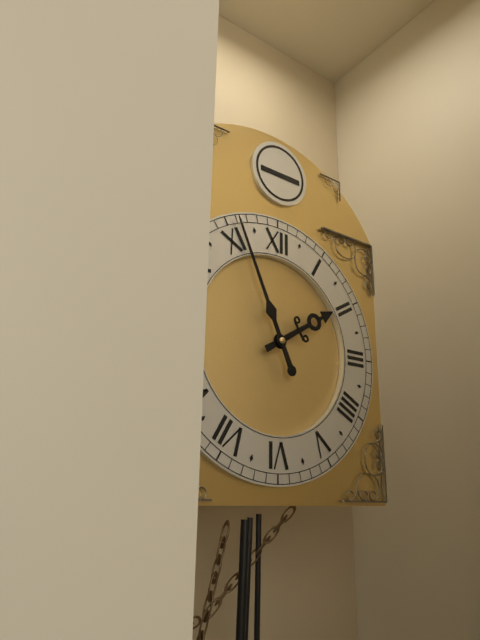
**1:56**
